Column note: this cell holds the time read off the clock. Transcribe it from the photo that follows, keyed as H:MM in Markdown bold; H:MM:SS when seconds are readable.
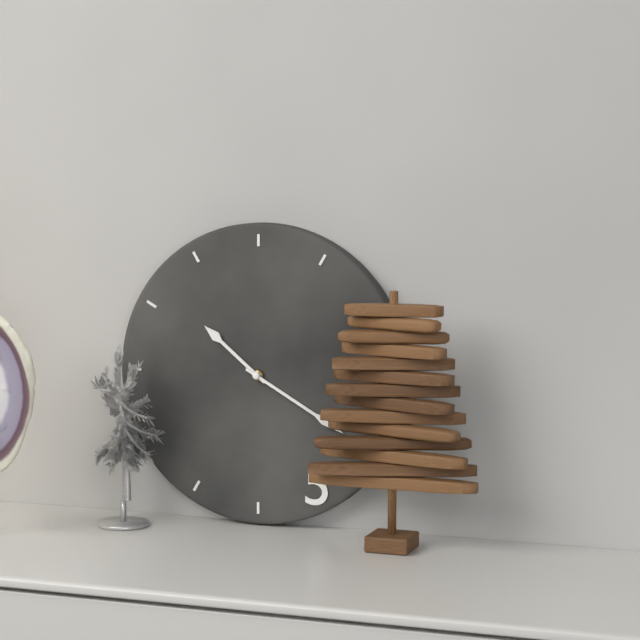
**10:20**
